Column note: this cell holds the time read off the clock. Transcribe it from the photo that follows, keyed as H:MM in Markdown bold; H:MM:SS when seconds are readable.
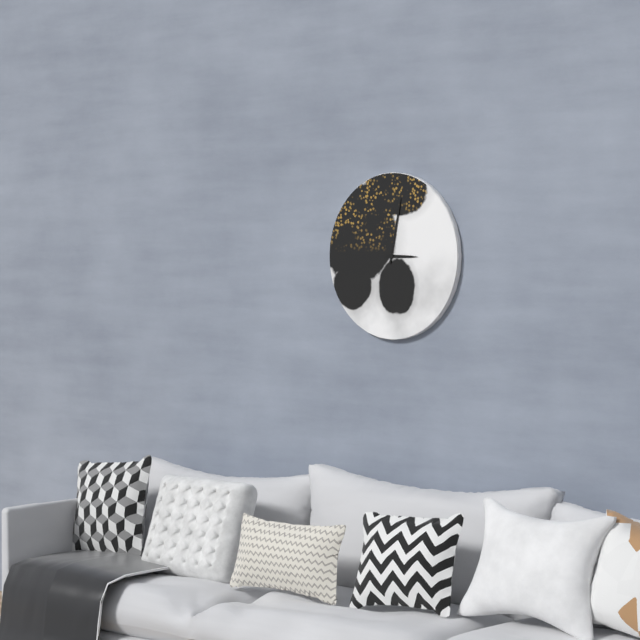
**3:02**
